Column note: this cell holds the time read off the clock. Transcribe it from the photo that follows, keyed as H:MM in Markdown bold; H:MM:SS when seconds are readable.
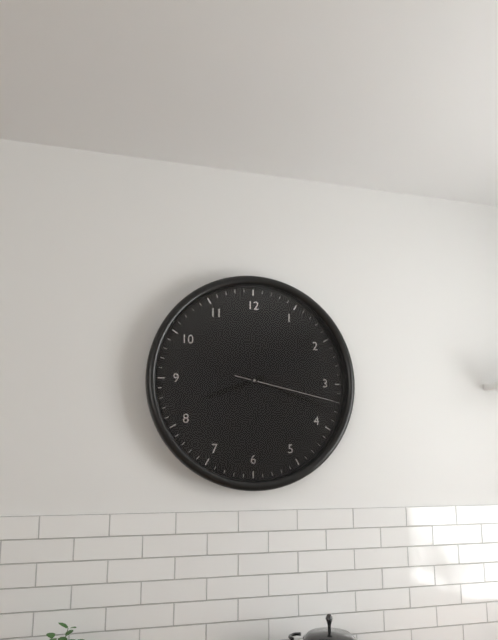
**8:18:17**
